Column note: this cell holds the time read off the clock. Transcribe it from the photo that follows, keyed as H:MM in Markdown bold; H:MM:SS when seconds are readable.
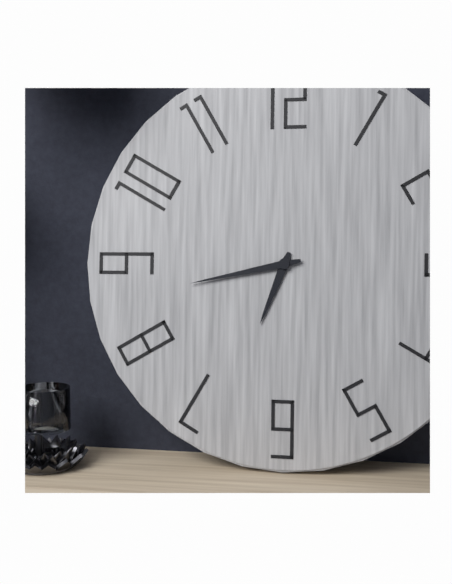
**6:43**
